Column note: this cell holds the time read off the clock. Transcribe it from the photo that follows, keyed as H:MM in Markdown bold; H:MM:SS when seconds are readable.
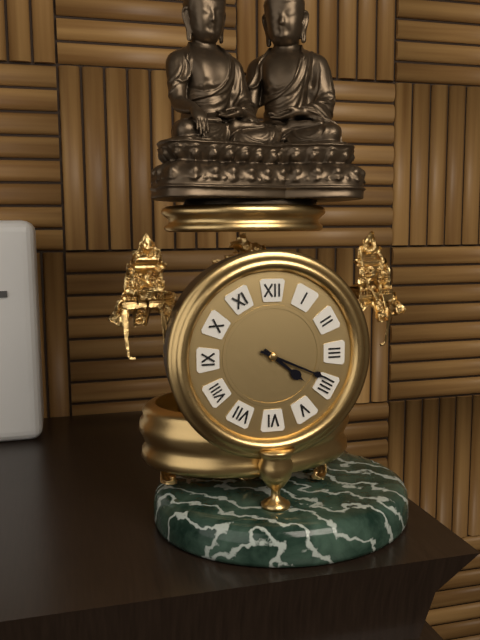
**4:19**
